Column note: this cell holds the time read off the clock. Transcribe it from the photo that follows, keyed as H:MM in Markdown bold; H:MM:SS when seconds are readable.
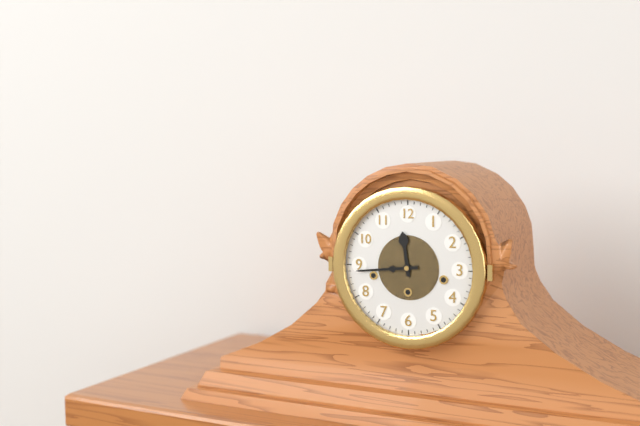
**11:44**
